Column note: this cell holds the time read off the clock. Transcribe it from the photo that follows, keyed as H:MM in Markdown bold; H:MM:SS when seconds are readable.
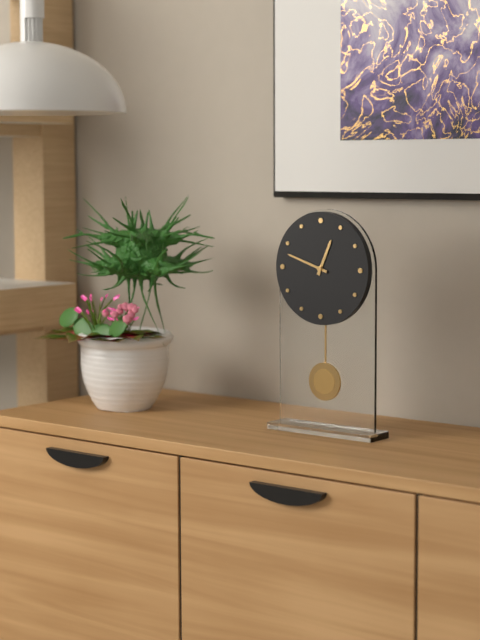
**12:48**
